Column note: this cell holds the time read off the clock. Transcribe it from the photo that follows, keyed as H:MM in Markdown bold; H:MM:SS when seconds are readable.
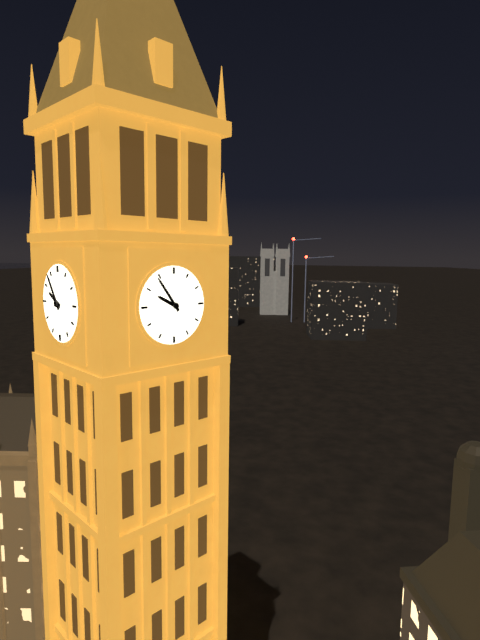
**9:54**
